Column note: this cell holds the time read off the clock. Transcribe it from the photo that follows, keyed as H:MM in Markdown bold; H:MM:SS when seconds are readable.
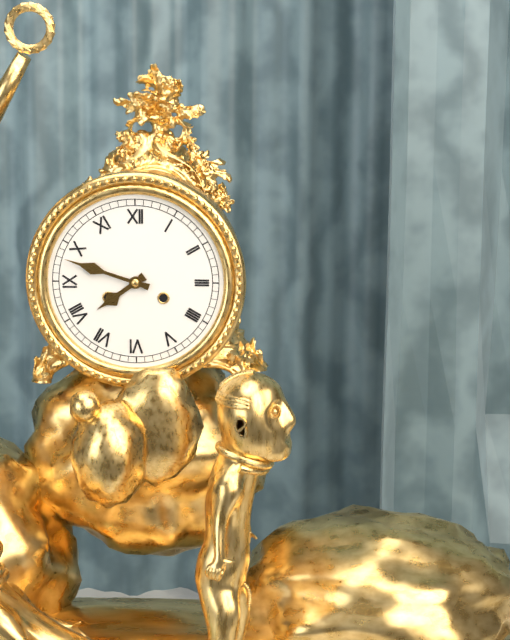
**7:48**
